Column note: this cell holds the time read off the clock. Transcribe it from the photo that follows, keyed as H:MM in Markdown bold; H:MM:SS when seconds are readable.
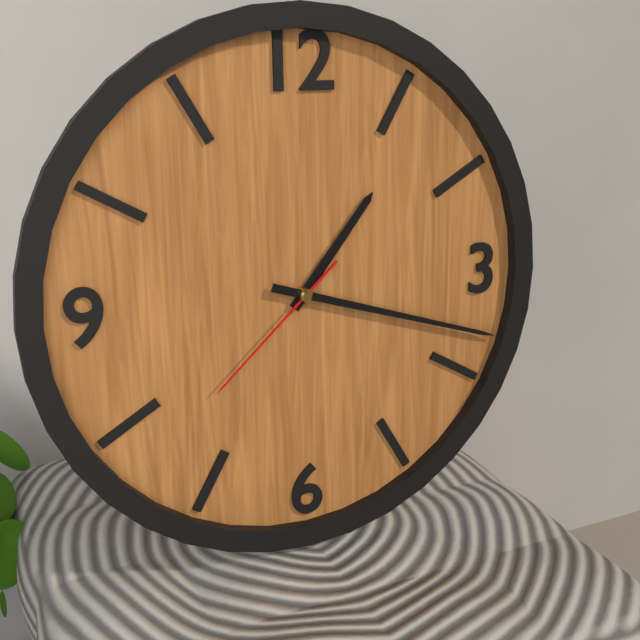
**1:18:38**
